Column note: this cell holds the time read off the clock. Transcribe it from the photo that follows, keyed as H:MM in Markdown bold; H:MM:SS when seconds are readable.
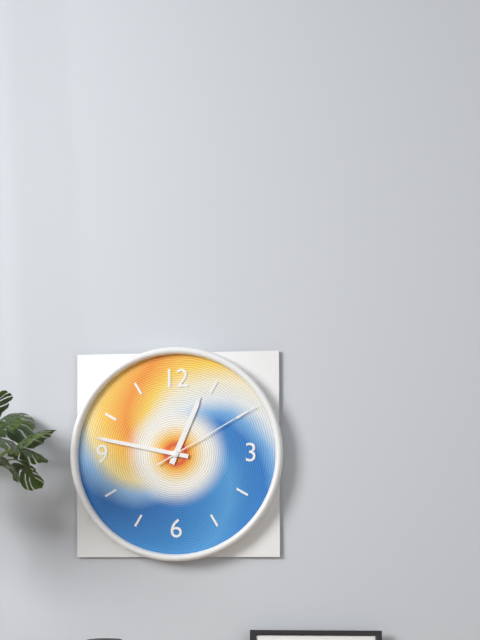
**12:47:10**
